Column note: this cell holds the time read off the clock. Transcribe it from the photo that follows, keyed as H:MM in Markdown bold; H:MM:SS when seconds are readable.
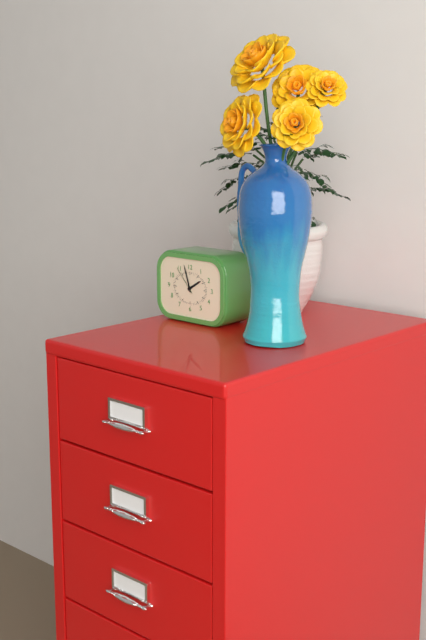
**1:57**
